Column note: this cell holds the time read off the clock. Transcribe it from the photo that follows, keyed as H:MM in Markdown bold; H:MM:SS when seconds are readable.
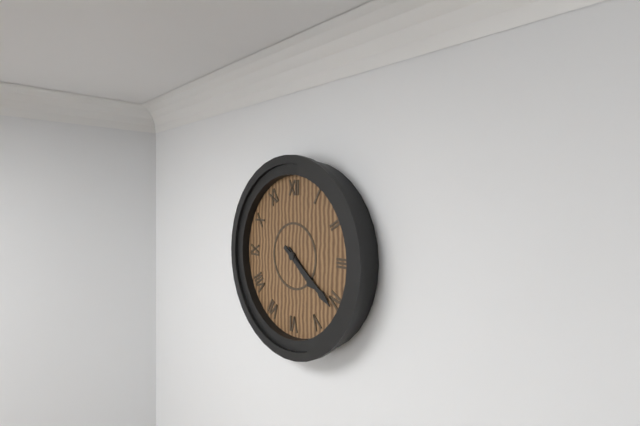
**4:21**
